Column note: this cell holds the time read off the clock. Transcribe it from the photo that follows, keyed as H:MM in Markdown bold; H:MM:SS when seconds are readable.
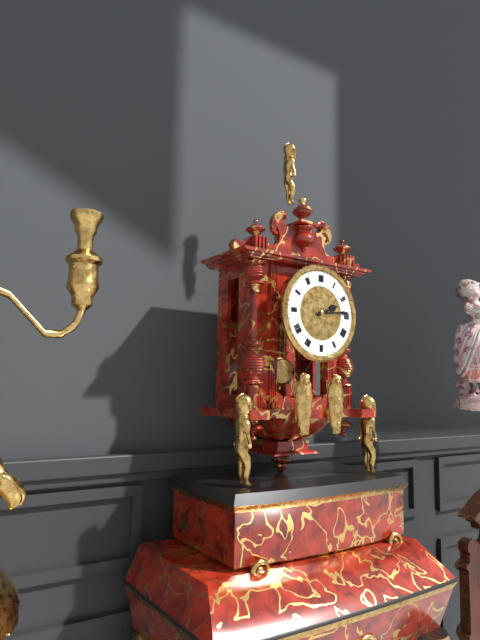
**2:14**
